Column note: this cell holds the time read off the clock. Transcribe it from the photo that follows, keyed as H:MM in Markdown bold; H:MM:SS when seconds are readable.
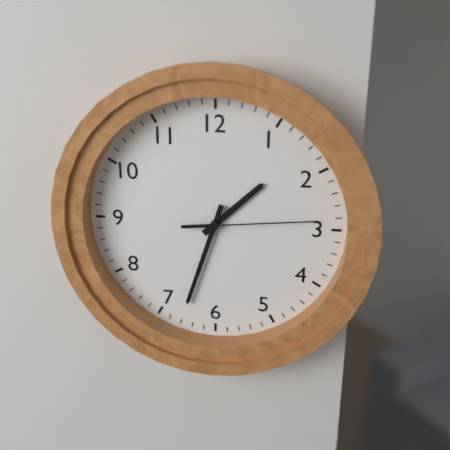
**1:33:14**
